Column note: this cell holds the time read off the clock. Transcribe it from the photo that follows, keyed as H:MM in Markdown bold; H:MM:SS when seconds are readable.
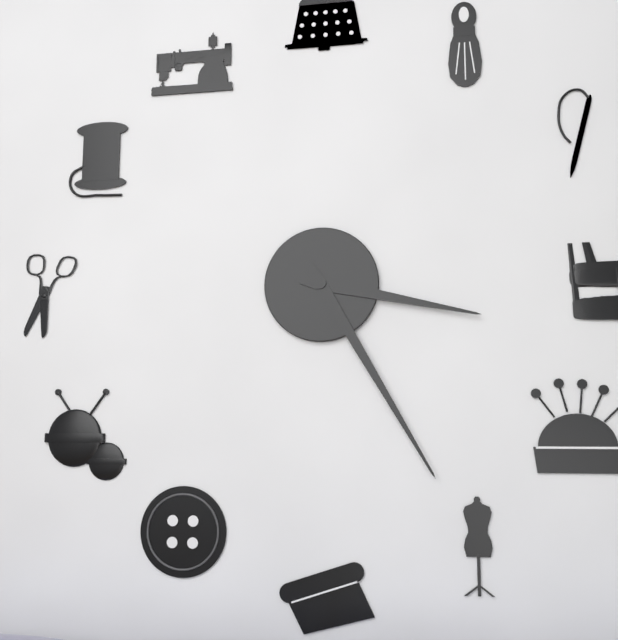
**3:25**
